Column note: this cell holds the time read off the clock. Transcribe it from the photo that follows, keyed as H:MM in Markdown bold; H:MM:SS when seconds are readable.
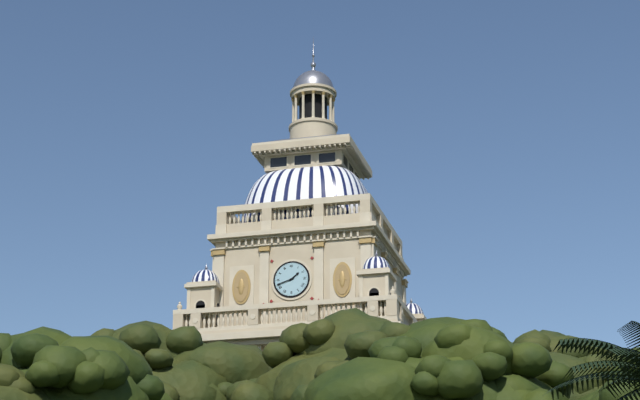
**1:42**
